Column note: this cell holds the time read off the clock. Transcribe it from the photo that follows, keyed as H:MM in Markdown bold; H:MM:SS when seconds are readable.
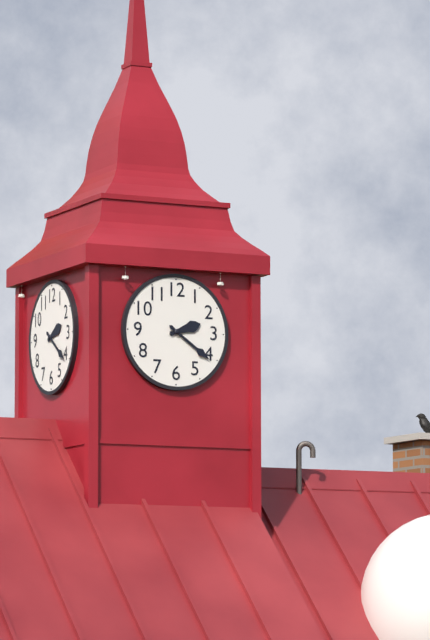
**2:21**
